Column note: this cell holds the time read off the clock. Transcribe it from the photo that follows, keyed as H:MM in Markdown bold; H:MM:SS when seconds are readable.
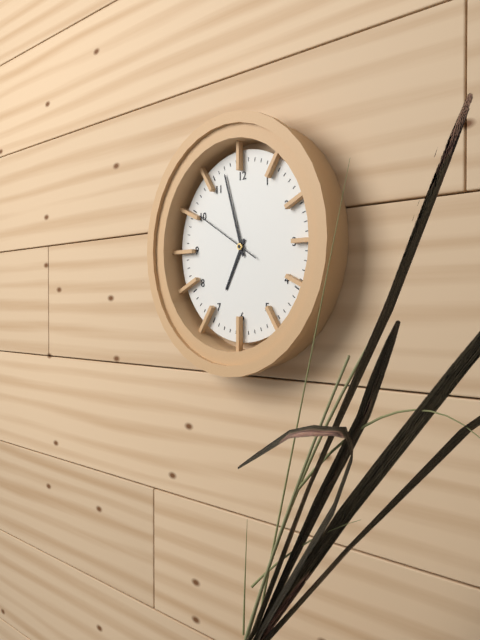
**6:57:50**
